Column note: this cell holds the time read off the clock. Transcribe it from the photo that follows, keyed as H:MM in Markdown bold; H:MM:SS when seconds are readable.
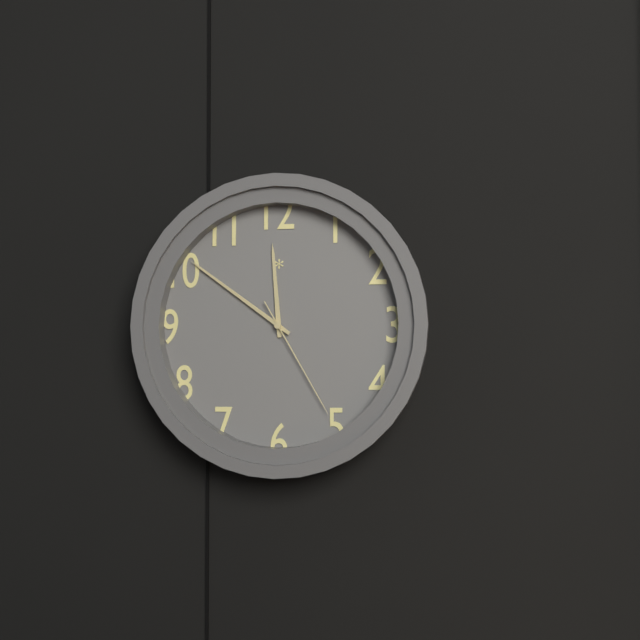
**11:51:25**
